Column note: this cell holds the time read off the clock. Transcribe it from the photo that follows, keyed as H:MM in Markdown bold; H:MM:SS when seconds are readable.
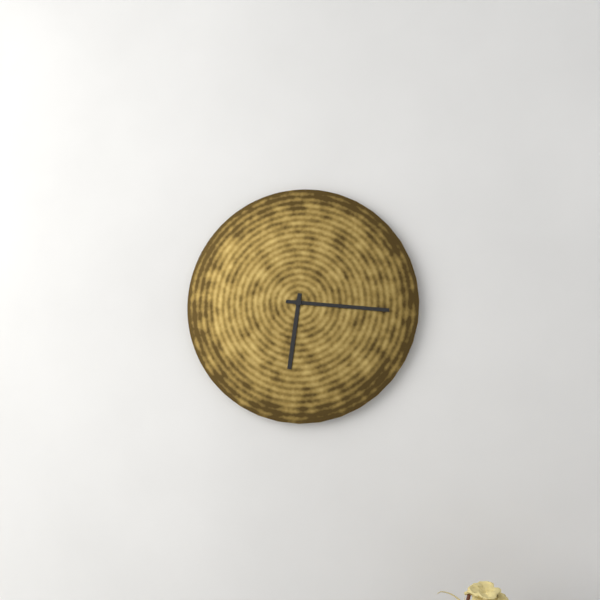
**6:16**
